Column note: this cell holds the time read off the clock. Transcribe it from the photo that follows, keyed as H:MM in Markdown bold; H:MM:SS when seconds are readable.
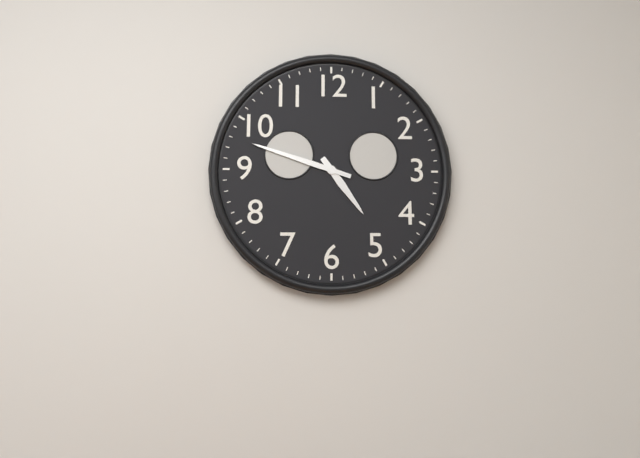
**4:48**
